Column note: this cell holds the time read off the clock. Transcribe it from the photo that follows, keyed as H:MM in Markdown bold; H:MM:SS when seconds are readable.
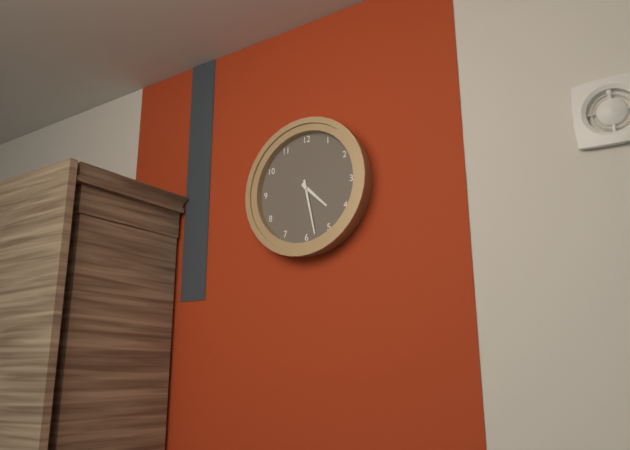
**4:28**
